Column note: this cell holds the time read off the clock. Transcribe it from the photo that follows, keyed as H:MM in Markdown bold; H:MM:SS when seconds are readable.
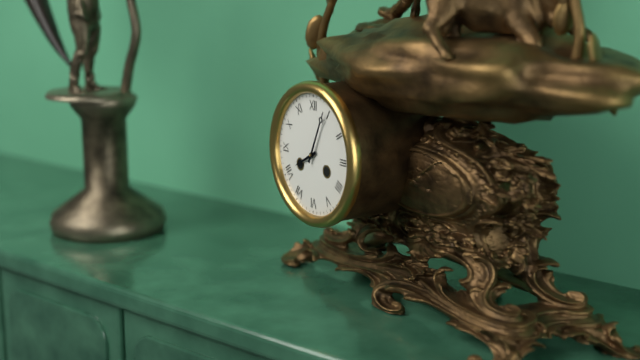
**8:04**
